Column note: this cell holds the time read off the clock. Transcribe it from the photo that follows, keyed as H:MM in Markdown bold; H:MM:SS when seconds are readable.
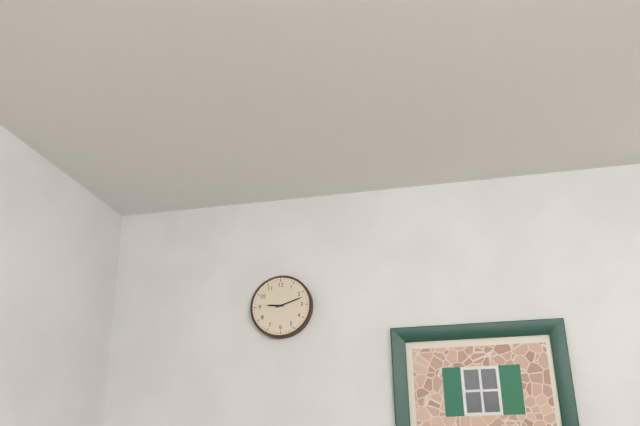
**9:12**
